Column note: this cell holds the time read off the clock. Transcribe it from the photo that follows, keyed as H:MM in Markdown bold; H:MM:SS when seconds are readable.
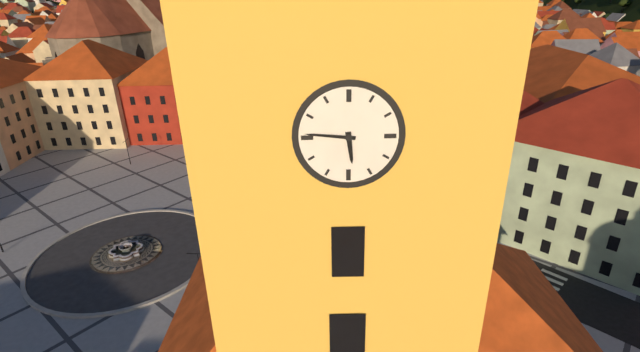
**5:46**
